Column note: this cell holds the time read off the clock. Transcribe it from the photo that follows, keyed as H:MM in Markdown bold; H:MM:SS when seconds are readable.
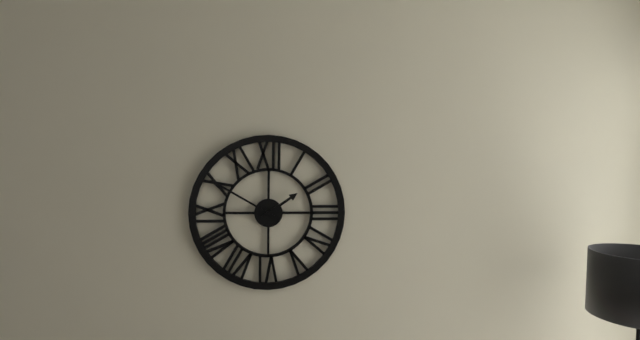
**1:50**
